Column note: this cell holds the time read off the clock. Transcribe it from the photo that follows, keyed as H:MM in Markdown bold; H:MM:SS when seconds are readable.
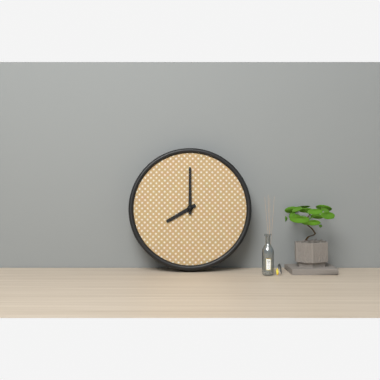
**8:00**
